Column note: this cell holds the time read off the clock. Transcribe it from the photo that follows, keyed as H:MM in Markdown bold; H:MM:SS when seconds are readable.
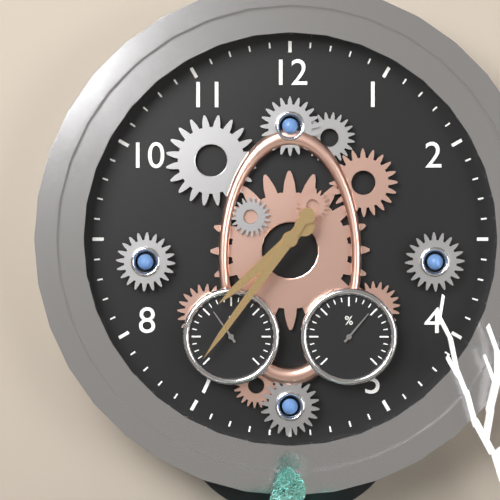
**7:36**
